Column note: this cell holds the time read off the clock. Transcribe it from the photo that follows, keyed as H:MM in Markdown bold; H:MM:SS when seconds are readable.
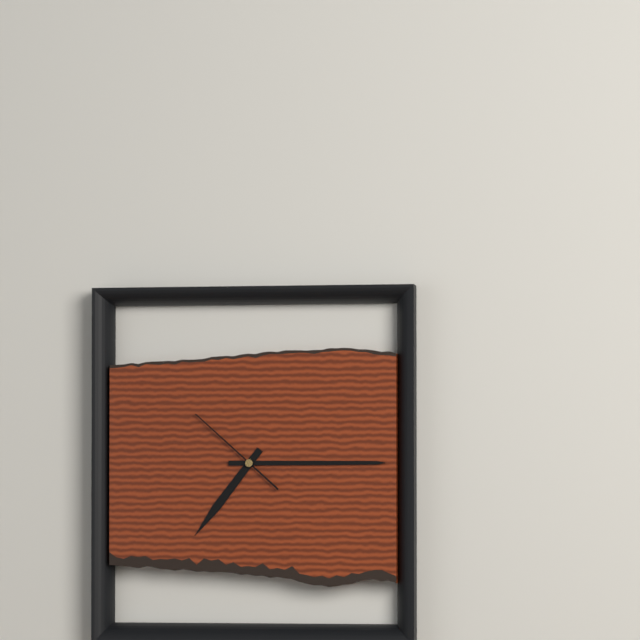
**7:15:52**
